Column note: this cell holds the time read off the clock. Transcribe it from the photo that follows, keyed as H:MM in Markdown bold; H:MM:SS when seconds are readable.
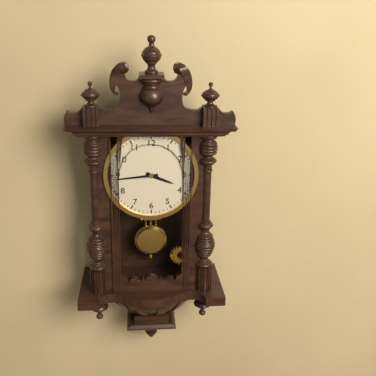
**3:44**
